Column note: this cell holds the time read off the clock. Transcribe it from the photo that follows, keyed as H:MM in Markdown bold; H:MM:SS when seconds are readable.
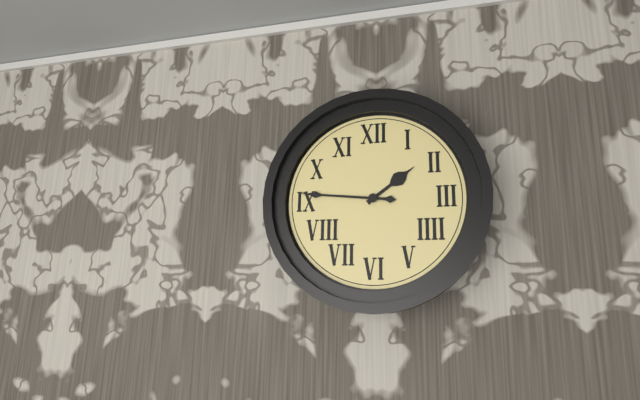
**1:46**
